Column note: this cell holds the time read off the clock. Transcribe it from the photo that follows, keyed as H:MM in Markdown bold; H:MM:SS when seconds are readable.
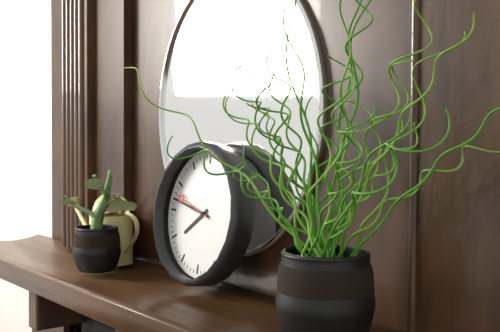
**7:47:48**
